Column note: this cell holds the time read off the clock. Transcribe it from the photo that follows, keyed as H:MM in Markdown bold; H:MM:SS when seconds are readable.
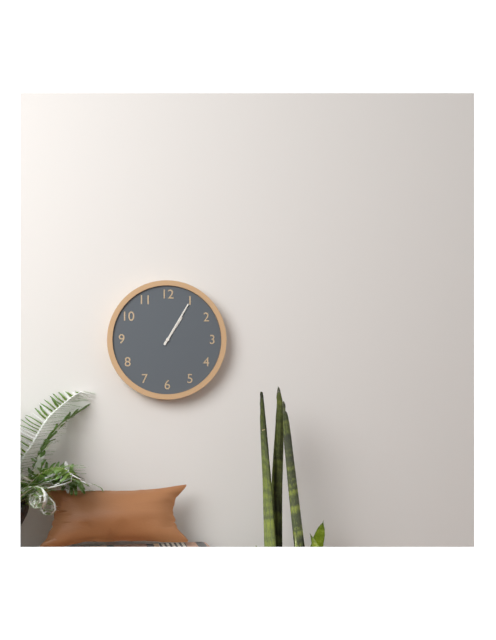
**1:05**
